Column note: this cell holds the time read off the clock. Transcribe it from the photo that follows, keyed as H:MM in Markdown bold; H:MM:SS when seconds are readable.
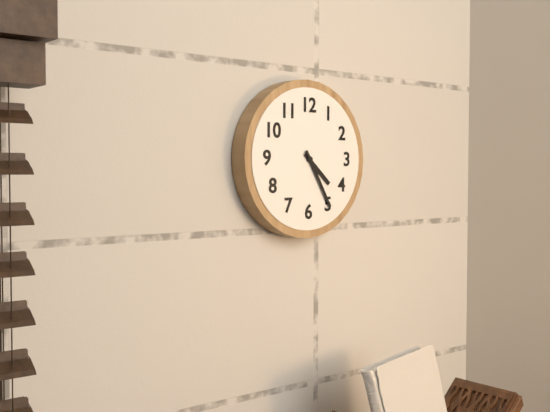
**4:25**
